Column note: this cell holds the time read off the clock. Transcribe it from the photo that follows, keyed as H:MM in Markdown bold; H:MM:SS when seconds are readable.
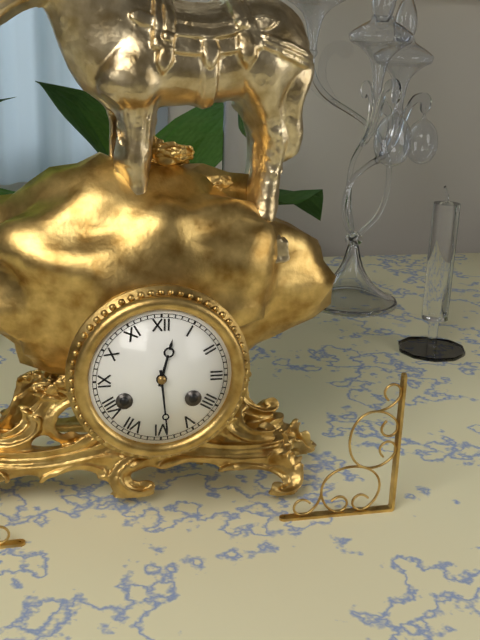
**12:29**
